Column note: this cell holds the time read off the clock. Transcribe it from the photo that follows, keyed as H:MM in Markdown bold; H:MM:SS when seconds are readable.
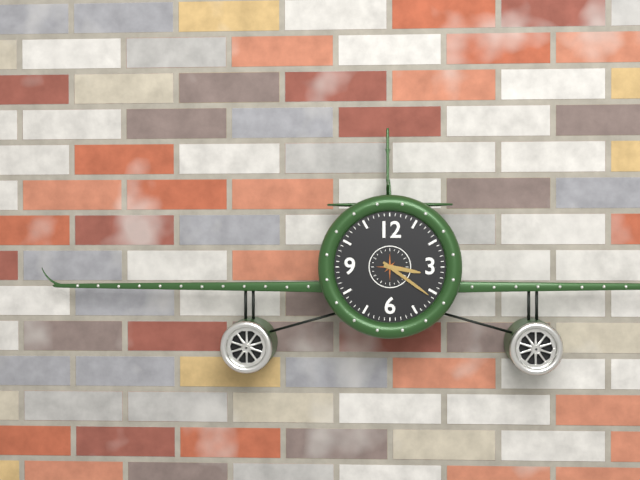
**3:21**
